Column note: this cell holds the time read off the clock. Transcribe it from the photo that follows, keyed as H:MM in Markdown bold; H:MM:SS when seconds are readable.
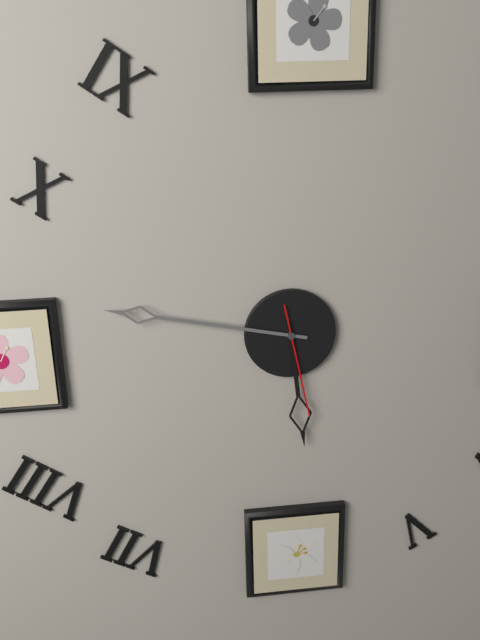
**5:47:28**
